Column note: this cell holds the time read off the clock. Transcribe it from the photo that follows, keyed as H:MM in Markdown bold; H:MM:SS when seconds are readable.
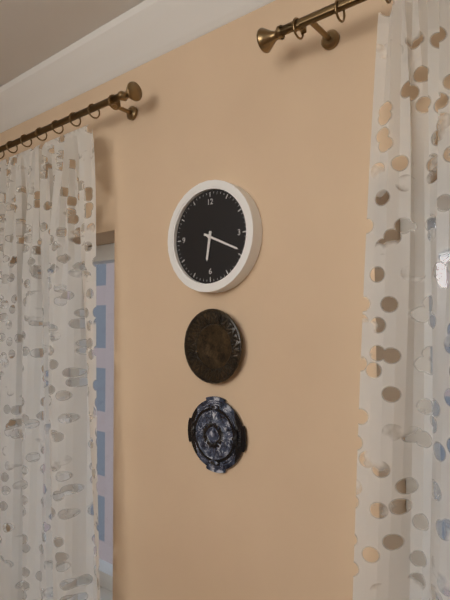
**6:19**
